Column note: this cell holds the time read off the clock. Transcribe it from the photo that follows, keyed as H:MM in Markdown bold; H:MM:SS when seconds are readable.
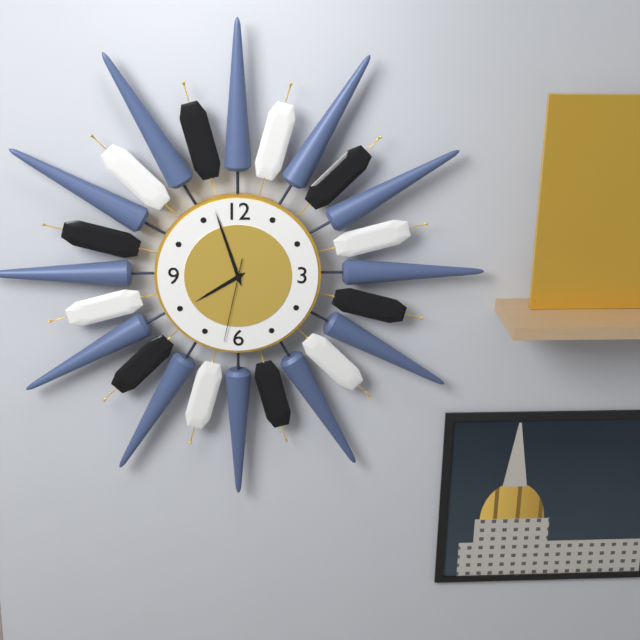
**7:57:32**
